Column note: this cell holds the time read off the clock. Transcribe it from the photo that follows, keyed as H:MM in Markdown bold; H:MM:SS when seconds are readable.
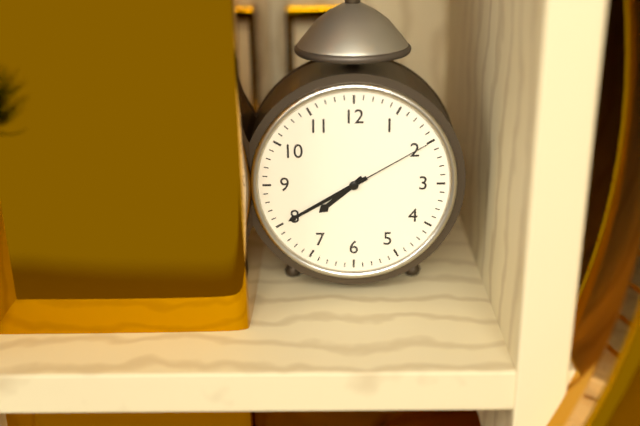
**7:40:10**
